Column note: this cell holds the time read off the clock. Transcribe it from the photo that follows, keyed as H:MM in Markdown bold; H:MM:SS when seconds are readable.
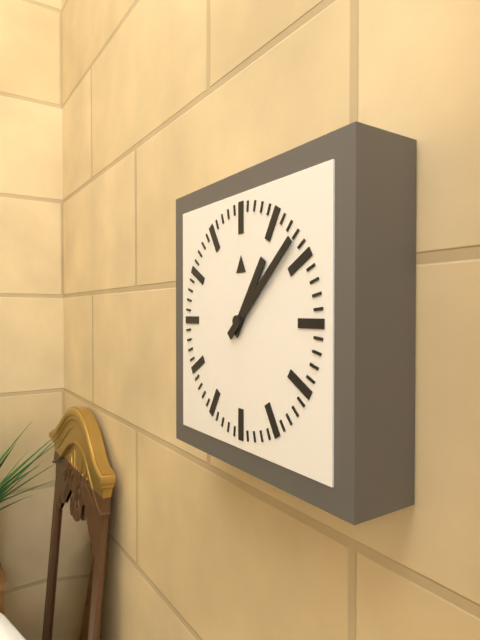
**1:08**
